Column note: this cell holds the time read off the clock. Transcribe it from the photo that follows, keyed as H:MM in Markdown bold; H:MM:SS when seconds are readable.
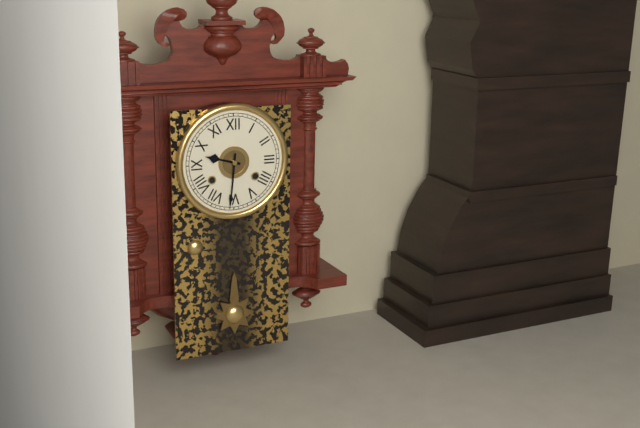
**9:31**
